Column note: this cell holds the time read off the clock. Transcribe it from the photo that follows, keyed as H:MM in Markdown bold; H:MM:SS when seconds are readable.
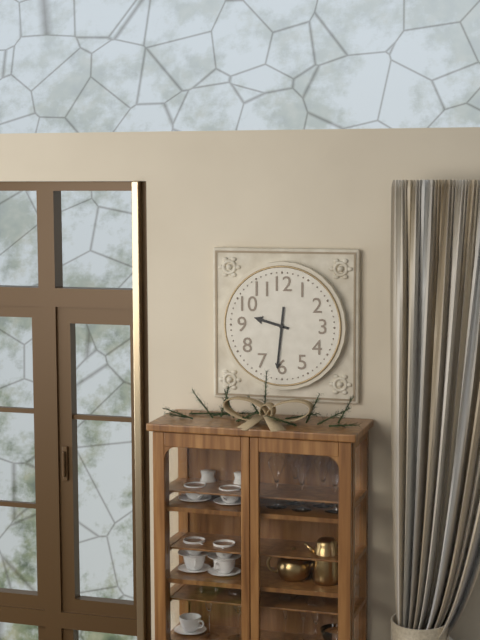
**9:31**
